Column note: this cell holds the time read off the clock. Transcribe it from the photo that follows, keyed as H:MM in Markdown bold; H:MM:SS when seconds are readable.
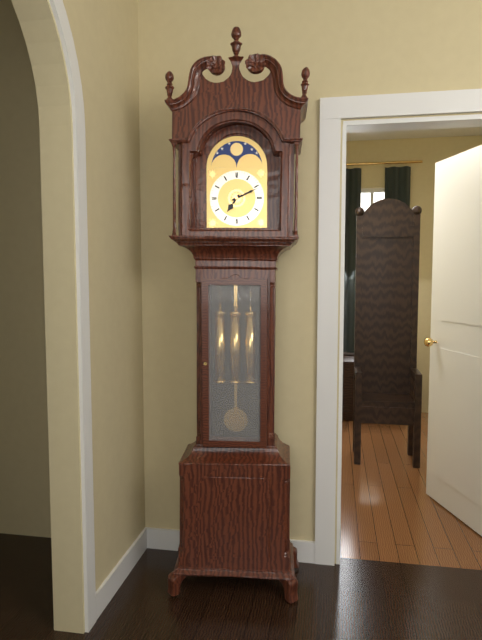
**7:11**
